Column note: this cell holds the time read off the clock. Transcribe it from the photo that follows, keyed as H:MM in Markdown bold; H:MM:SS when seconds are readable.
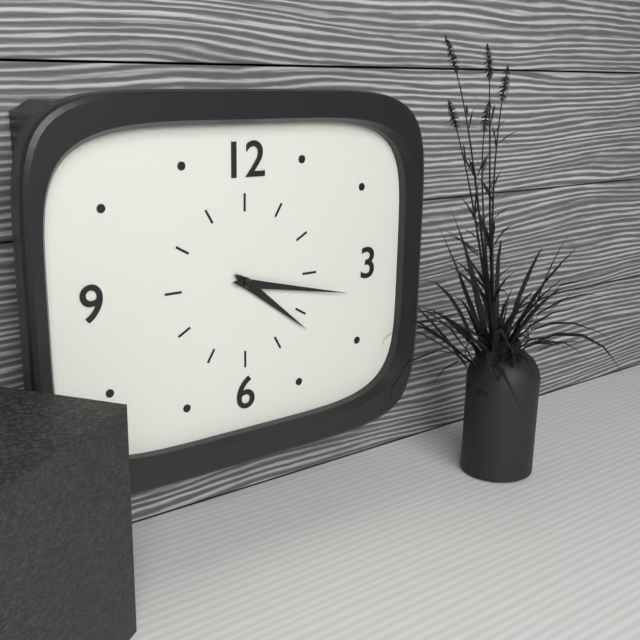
**4:17**
